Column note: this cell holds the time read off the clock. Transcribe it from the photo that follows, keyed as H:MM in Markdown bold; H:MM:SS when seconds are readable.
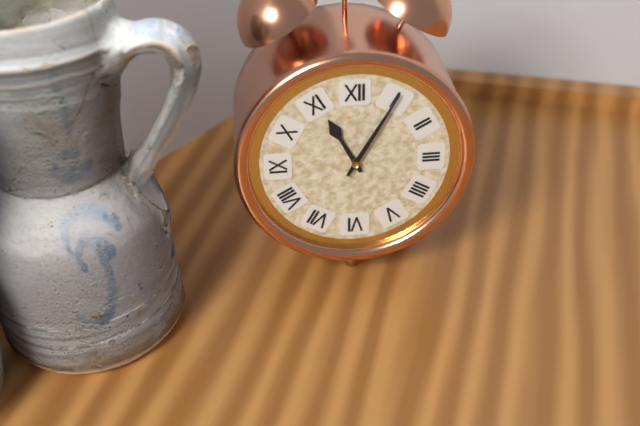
**11:05**
